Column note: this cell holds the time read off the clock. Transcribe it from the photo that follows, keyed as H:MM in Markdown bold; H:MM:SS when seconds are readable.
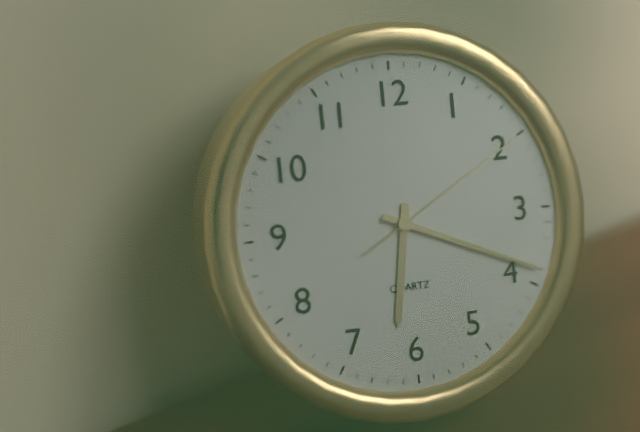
**6:19:10**
